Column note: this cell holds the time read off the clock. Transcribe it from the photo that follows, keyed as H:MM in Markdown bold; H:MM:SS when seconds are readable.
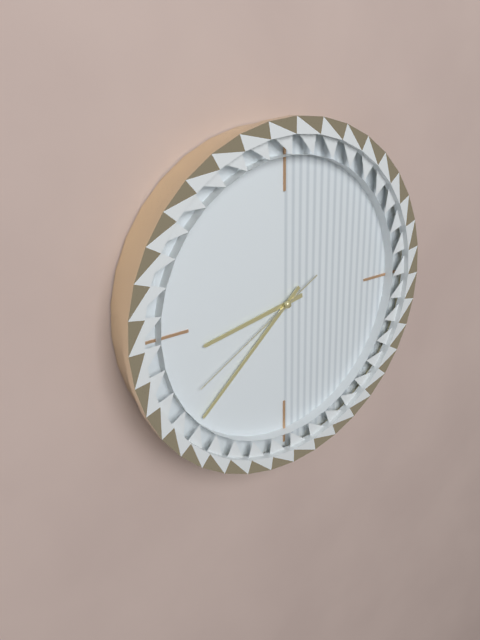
**8:38:40**
